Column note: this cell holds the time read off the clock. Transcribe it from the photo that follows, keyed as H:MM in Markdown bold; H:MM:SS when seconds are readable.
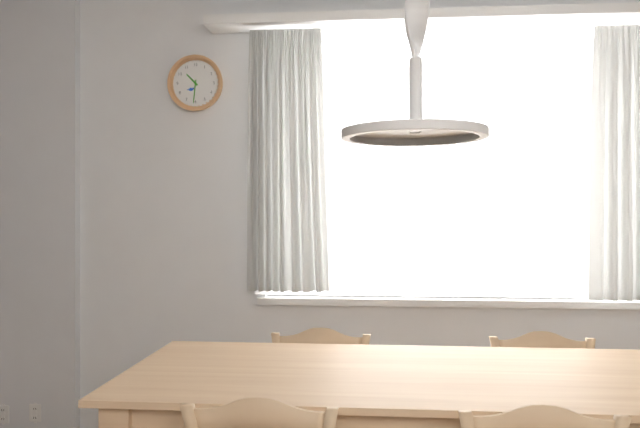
**10:31**
